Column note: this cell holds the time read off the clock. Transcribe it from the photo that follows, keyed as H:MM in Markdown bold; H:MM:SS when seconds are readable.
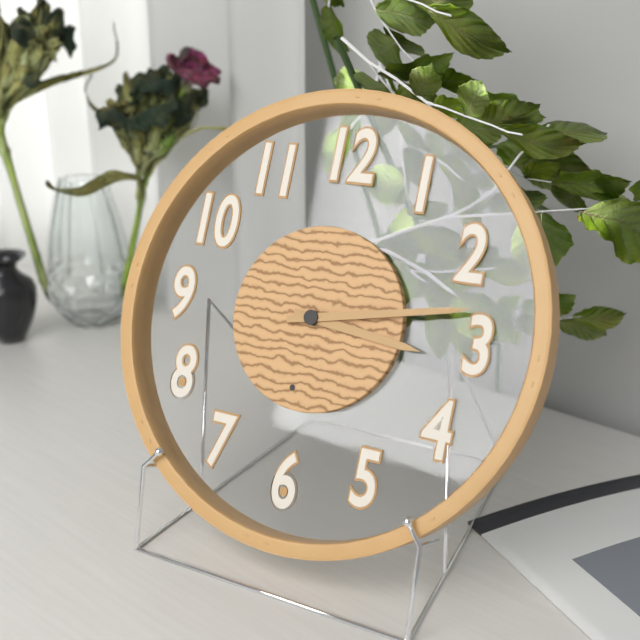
**3:13**
